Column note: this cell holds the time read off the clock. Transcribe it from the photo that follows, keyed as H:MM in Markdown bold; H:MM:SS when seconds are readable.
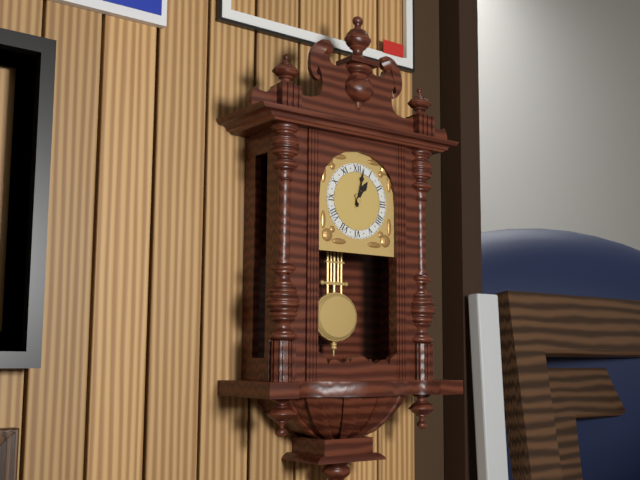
**1:02**
